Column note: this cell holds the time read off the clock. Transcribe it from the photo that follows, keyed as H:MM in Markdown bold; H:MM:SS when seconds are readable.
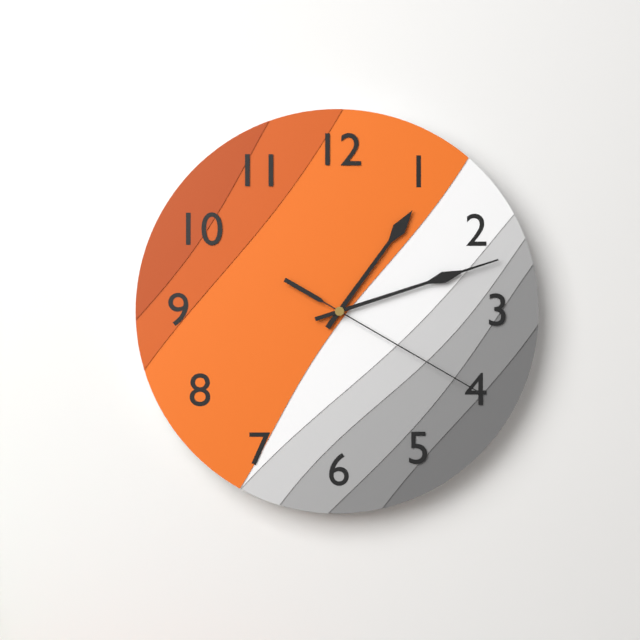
**1:12:20**
